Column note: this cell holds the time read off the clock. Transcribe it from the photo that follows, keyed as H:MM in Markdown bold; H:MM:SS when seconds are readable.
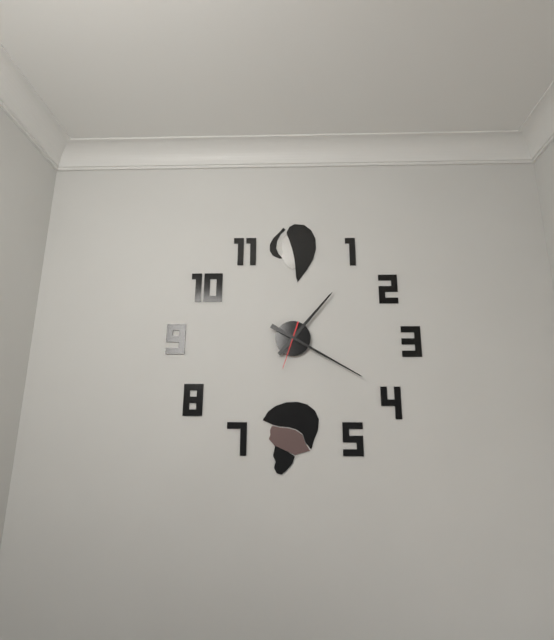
**1:20**
